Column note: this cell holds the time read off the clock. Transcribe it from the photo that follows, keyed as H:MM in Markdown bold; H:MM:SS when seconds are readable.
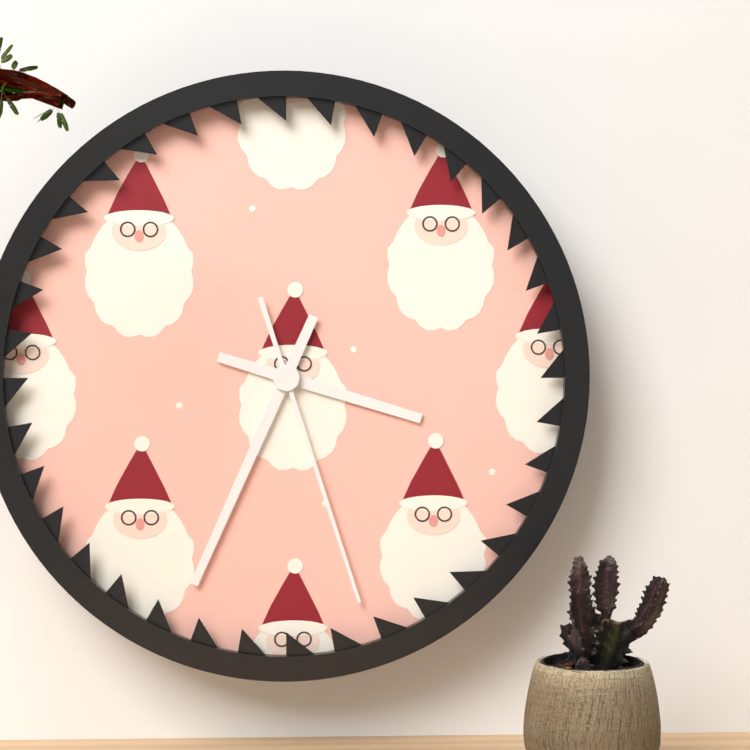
**3:34:27**
